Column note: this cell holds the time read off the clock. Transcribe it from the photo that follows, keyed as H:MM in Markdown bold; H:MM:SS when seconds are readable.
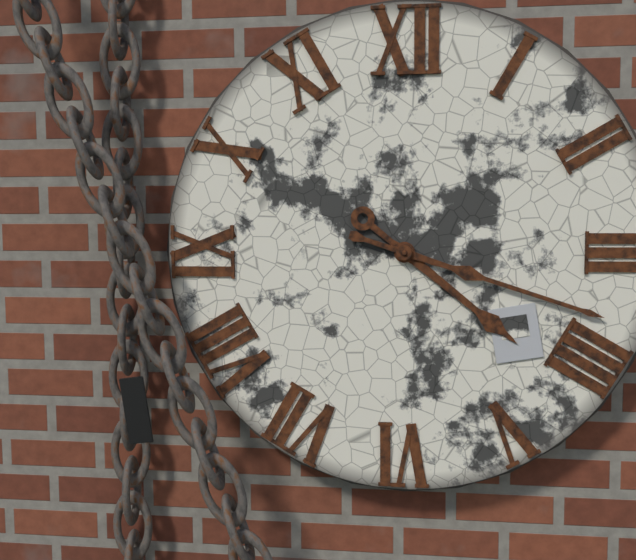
**4:18**
